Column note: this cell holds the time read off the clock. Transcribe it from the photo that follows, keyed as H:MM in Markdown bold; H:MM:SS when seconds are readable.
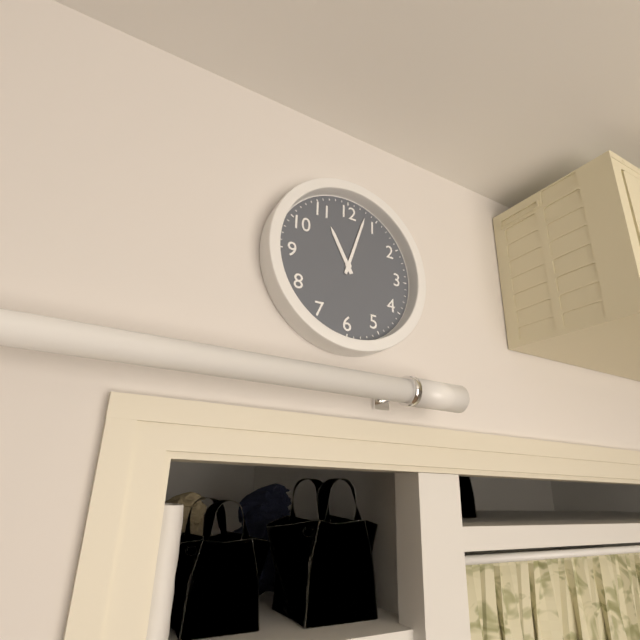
**11:03**
